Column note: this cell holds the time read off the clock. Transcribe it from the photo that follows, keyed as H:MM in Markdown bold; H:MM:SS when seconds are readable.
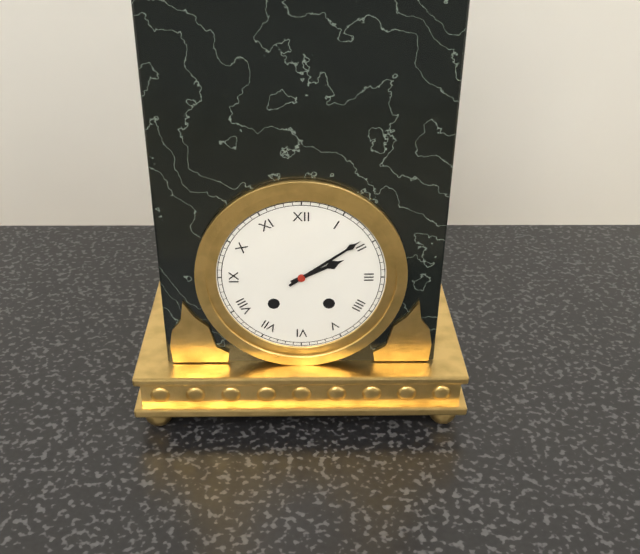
**2:09**
